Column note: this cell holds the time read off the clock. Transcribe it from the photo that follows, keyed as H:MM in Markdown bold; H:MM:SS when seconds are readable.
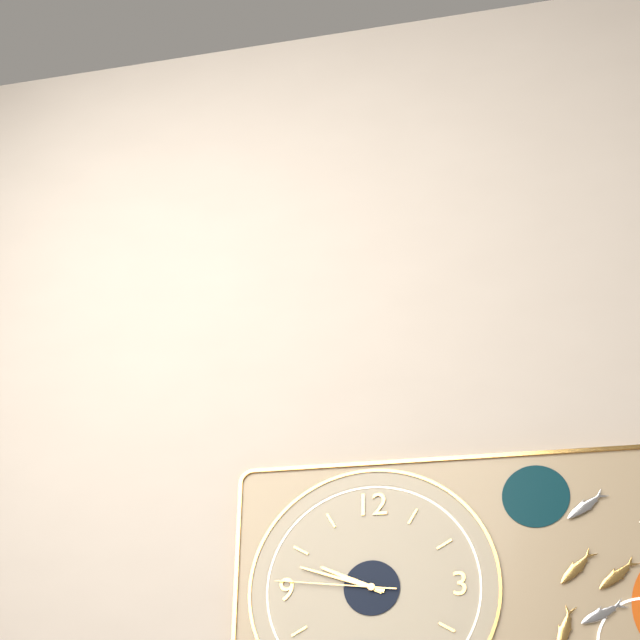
**9:48:46**
